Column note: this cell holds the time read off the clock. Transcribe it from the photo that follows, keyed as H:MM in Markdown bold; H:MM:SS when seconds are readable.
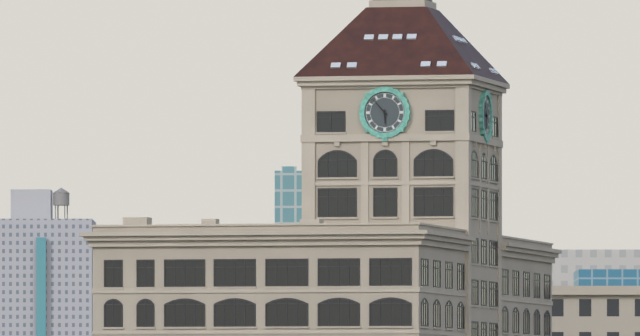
**5:53**
